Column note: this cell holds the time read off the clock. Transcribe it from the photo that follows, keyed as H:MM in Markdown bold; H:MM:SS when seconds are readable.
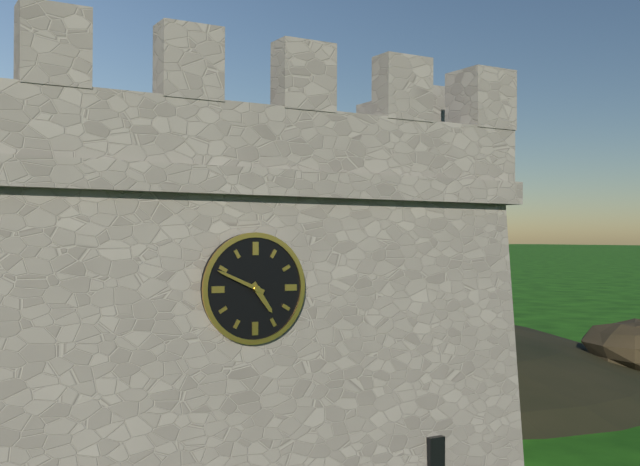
**4:49**
